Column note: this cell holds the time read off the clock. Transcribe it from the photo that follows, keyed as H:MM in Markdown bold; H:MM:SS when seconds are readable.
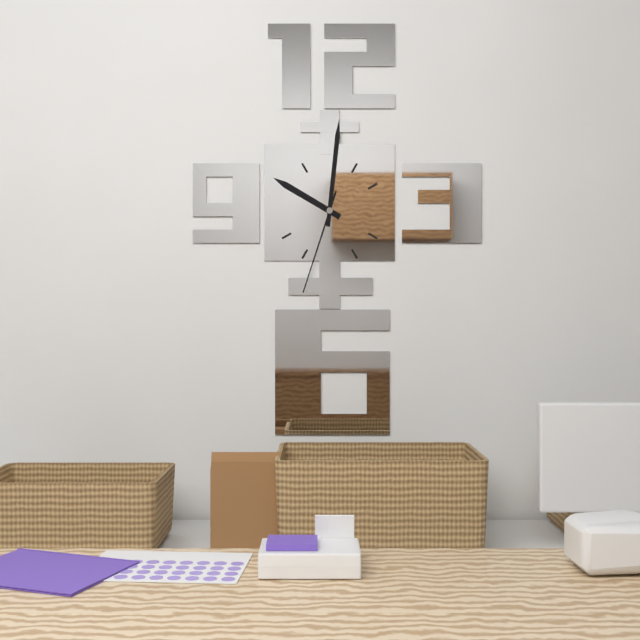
**10:01:33**
